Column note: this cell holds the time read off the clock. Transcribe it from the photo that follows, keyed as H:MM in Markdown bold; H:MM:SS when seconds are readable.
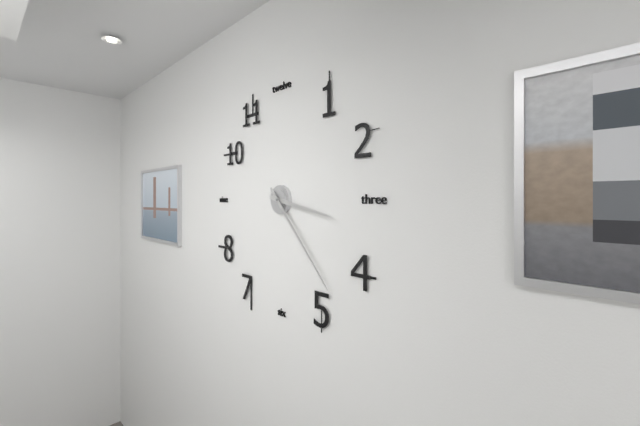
**3:23**
